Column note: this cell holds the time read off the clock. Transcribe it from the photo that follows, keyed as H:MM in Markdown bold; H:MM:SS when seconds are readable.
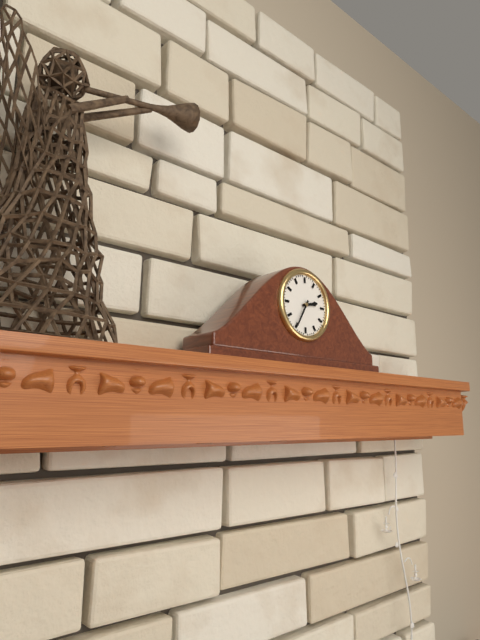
**2:35**
